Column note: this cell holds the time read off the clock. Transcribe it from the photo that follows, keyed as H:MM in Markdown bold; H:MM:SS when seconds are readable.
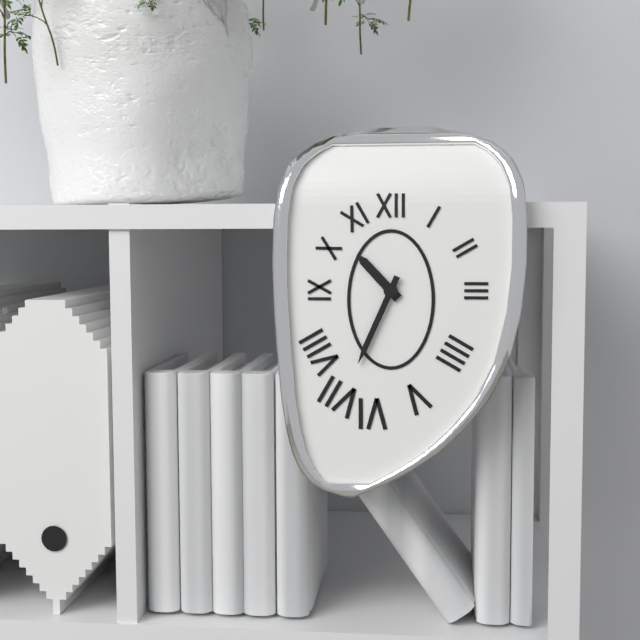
**10:34**
